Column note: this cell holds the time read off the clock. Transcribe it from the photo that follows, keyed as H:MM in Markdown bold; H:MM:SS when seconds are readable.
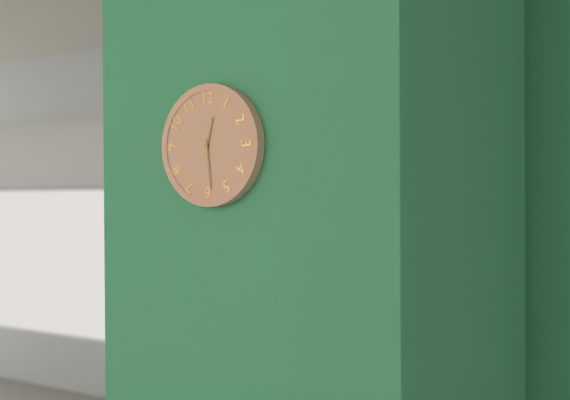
**12:29**
